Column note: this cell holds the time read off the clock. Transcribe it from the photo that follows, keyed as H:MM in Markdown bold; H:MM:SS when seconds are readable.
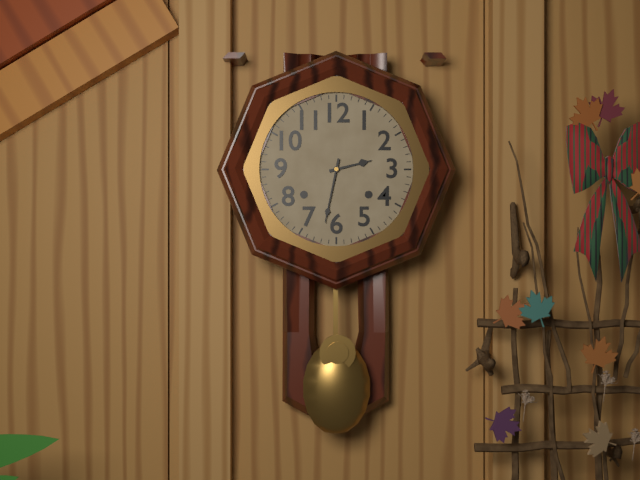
**2:32**
